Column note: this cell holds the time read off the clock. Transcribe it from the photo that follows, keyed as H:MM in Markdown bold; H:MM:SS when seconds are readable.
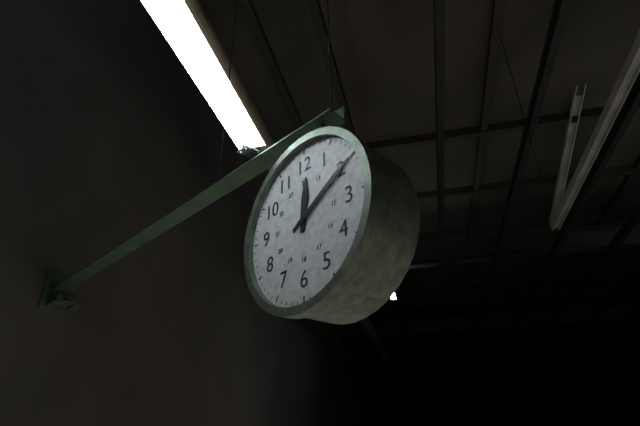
**12:10**
